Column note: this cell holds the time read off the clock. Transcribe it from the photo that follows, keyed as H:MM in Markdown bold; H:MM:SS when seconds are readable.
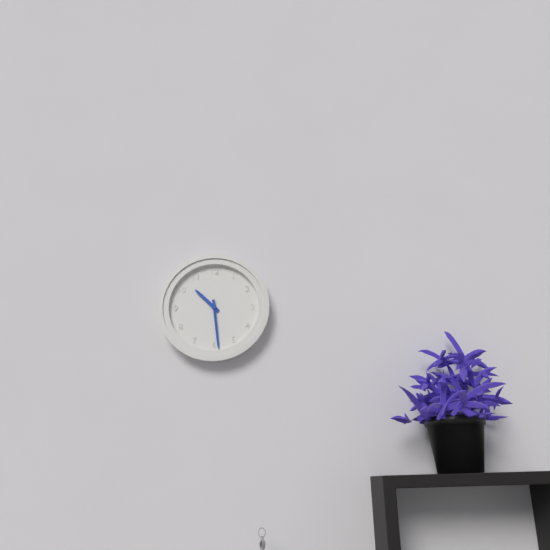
**10:29**
